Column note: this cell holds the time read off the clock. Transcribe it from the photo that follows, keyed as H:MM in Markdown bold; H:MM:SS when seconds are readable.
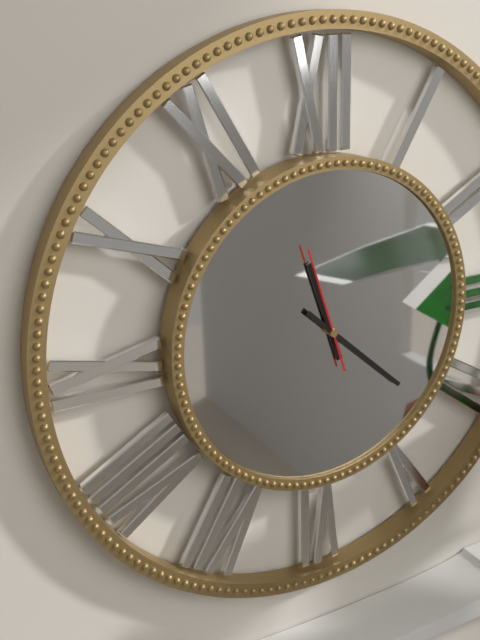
**11:22:57**
